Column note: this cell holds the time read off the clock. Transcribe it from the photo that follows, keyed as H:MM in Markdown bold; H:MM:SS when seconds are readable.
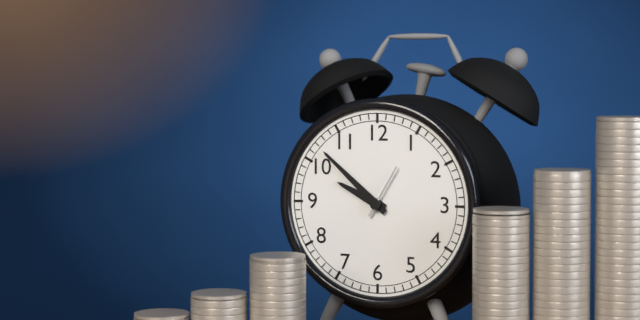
**9:52:05**
